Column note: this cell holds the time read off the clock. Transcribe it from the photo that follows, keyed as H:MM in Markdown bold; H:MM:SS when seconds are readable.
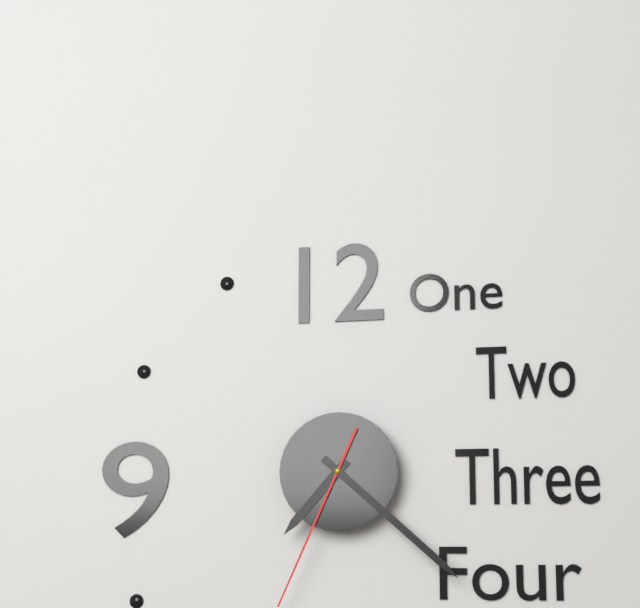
**7:22:34**
